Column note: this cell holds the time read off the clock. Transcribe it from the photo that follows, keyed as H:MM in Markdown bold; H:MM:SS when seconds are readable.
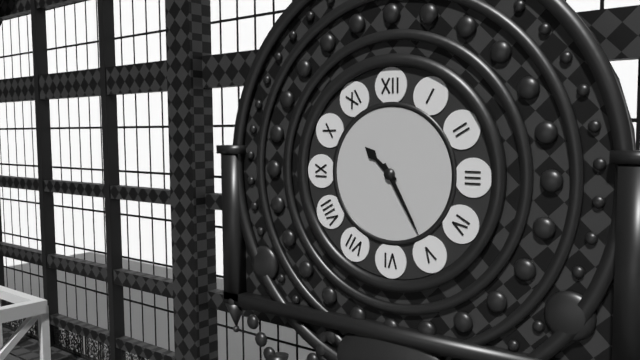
**10:25**
